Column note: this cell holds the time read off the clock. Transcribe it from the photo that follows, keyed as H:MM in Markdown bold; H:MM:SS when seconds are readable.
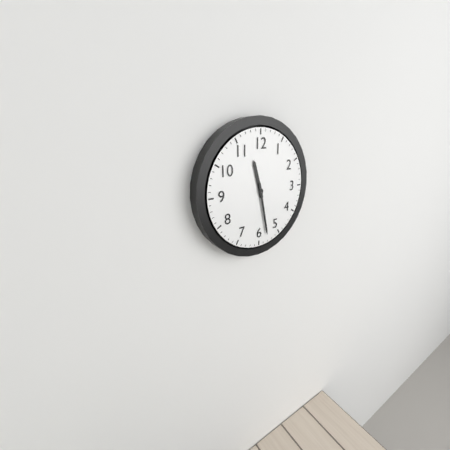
**11:28**
